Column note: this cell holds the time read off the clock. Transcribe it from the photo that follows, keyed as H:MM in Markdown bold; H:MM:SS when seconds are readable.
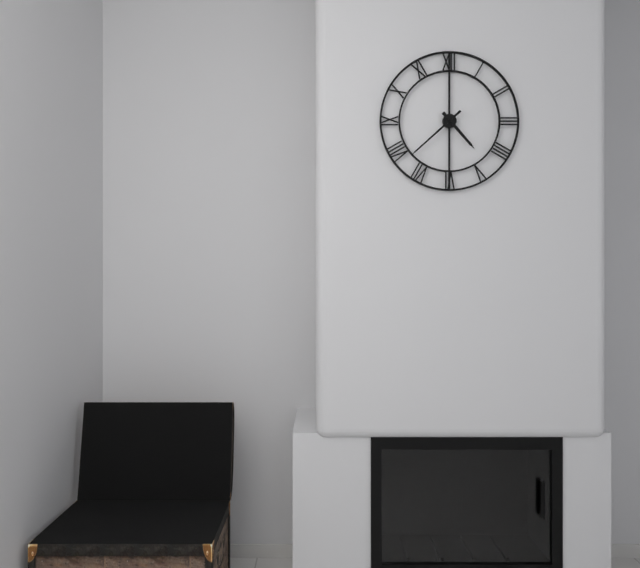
**4:38**
